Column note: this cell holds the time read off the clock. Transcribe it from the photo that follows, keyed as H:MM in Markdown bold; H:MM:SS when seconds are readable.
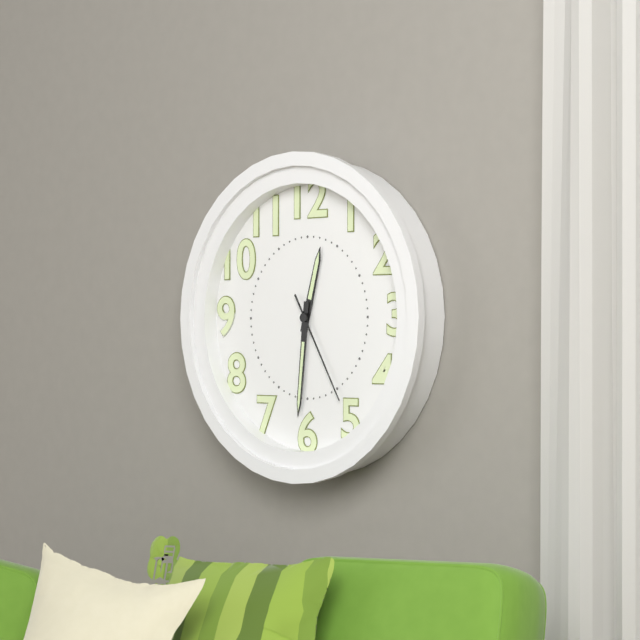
**12:31:25**
